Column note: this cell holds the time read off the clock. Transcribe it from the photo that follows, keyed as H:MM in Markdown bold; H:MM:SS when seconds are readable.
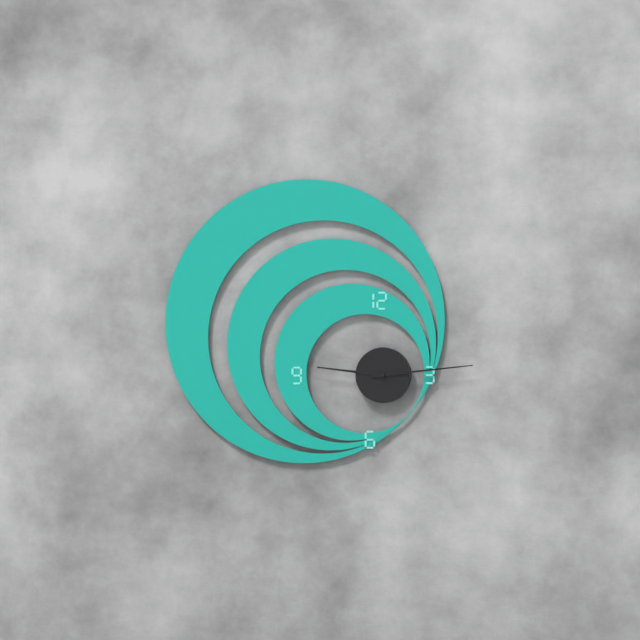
**9:14**
